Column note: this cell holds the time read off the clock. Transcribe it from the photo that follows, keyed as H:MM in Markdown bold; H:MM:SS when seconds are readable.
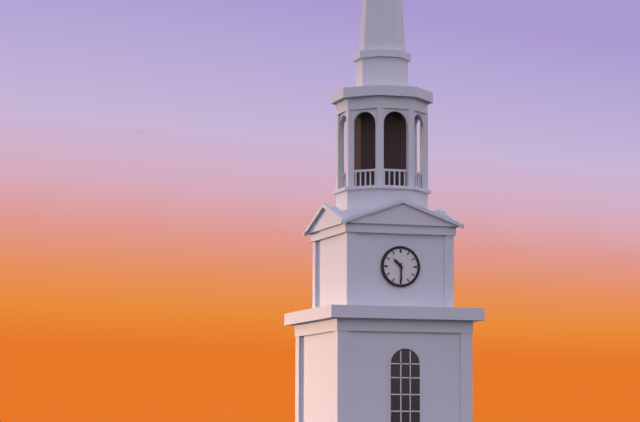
**10:30**
